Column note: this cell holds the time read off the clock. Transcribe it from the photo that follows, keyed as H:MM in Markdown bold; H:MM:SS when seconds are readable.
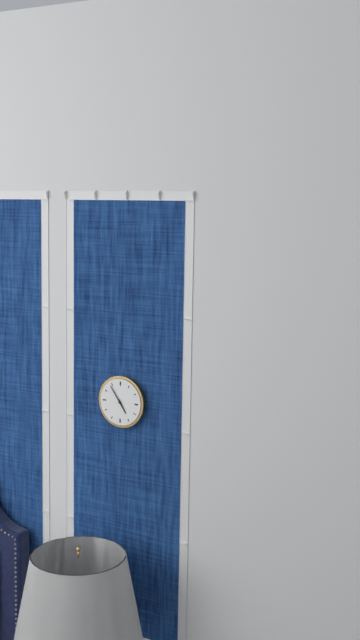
**4:54**
